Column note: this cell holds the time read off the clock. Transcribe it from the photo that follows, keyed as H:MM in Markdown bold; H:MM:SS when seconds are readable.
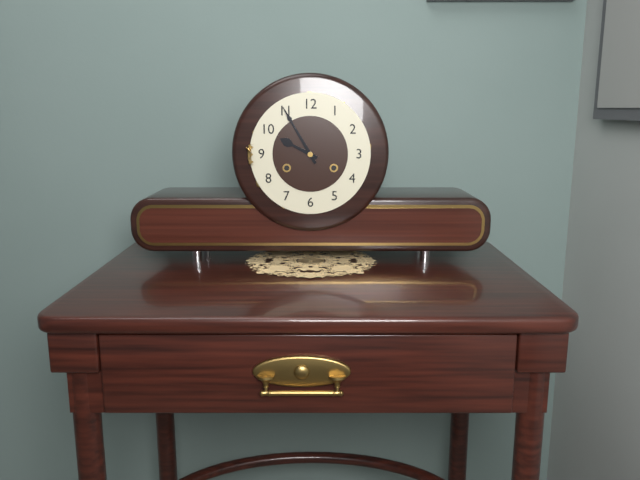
**9:55**
